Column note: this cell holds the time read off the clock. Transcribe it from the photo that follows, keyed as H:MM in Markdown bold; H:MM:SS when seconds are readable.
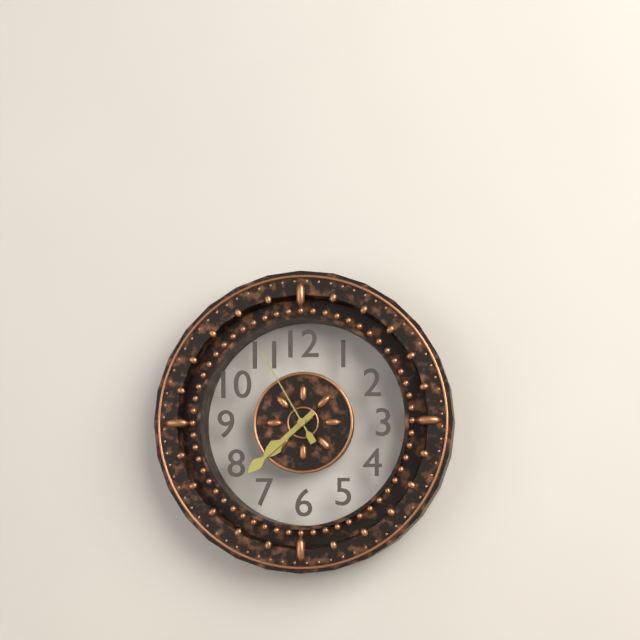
**7:38:55**
